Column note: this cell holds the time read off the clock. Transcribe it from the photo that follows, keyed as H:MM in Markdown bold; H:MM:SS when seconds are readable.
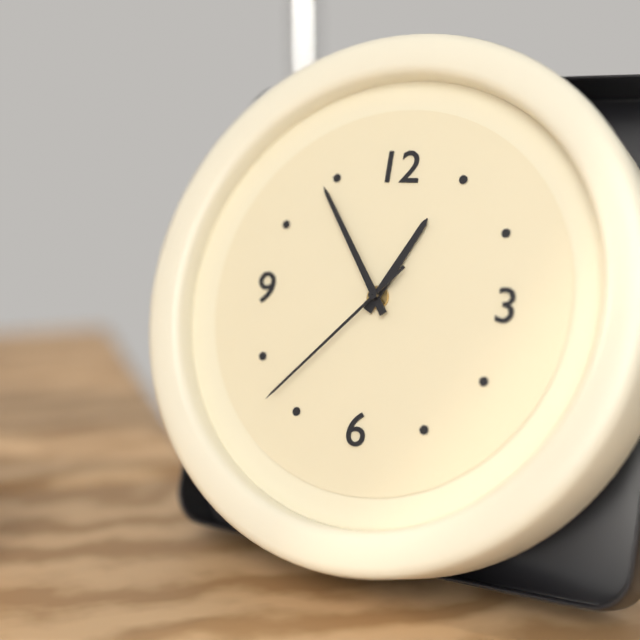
**12:54:37**
